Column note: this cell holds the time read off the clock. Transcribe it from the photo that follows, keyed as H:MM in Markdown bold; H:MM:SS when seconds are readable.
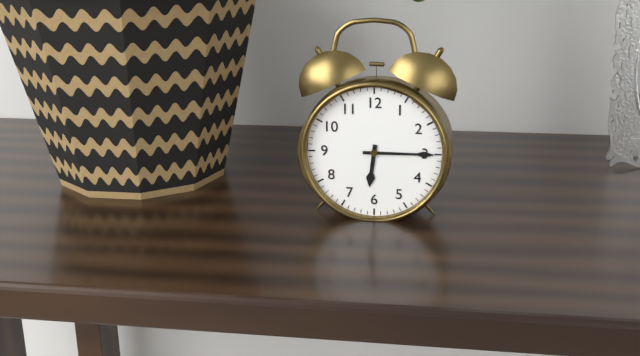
**6:15**
